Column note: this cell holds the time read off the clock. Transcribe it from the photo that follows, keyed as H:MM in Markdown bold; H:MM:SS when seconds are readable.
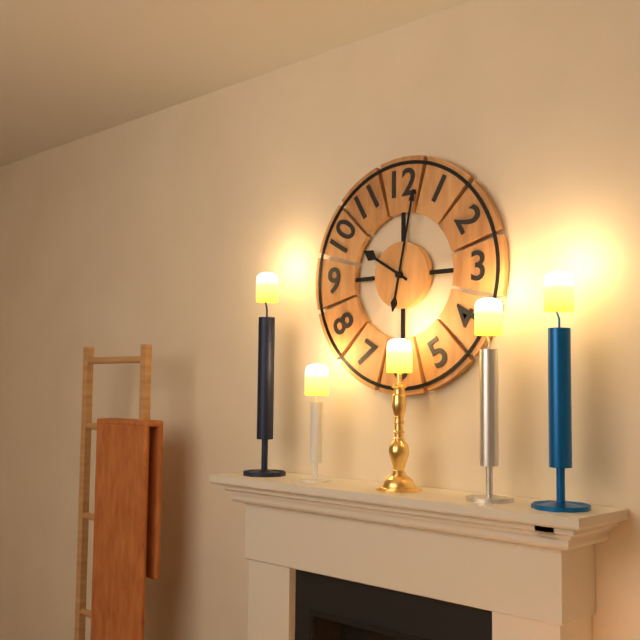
**10:02**
